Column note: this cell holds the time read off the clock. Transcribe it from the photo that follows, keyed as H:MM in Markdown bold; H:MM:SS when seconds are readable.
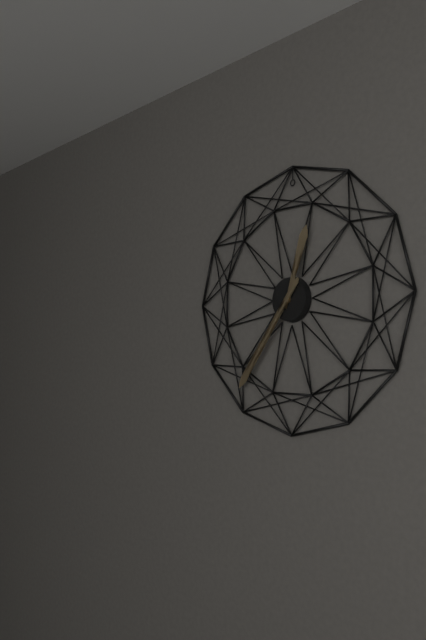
**12:36**
